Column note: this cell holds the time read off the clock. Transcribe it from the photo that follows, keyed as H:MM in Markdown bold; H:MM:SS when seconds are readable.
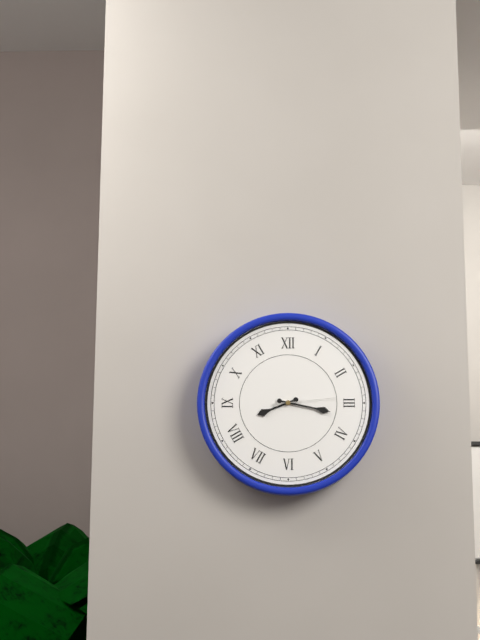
**8:17:14**
